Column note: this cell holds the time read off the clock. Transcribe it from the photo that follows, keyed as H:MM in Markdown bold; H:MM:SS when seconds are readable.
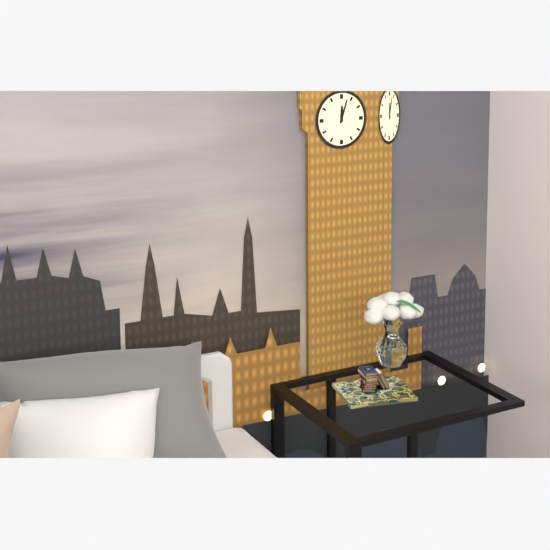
**12:03**
